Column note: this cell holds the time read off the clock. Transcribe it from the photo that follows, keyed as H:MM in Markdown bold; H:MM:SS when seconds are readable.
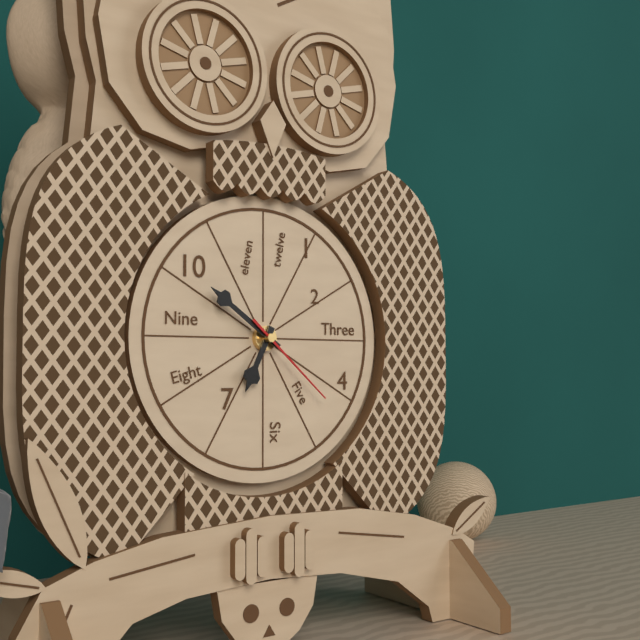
**6:51:22**
